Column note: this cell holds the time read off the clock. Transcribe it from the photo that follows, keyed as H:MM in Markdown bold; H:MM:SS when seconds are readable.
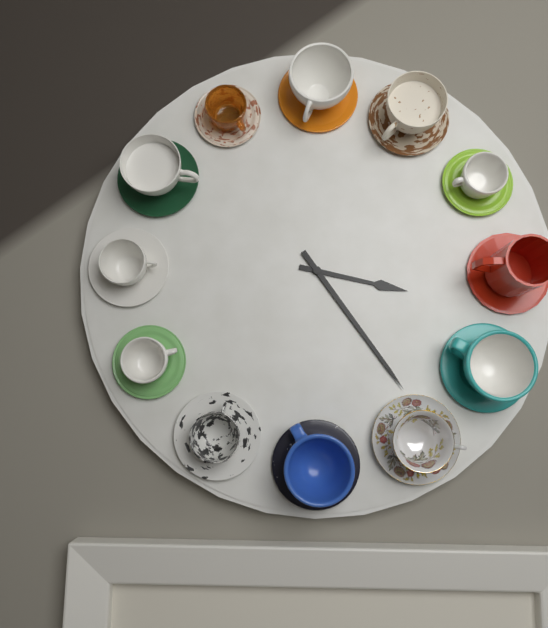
**3:24**
